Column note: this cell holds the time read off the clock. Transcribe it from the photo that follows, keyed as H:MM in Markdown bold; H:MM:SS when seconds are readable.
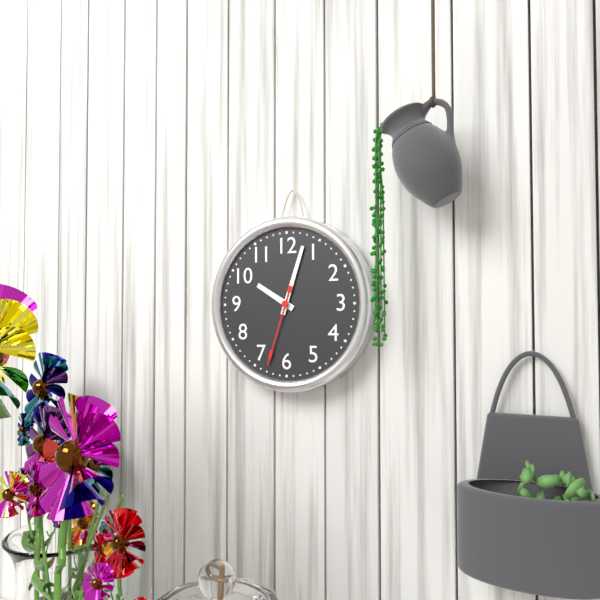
**10:03:33**
